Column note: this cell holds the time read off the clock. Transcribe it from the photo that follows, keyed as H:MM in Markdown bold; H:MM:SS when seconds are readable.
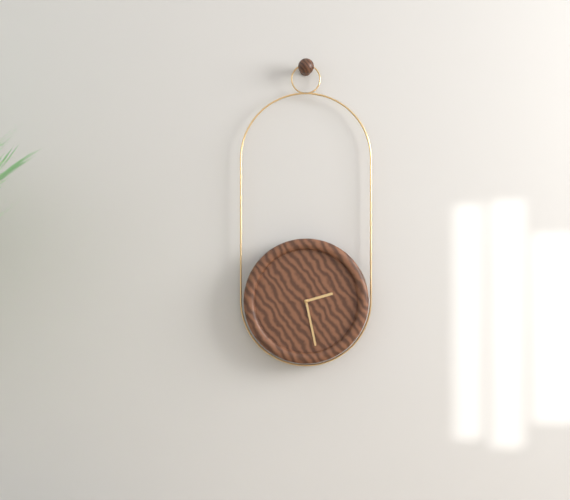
**2:28**
